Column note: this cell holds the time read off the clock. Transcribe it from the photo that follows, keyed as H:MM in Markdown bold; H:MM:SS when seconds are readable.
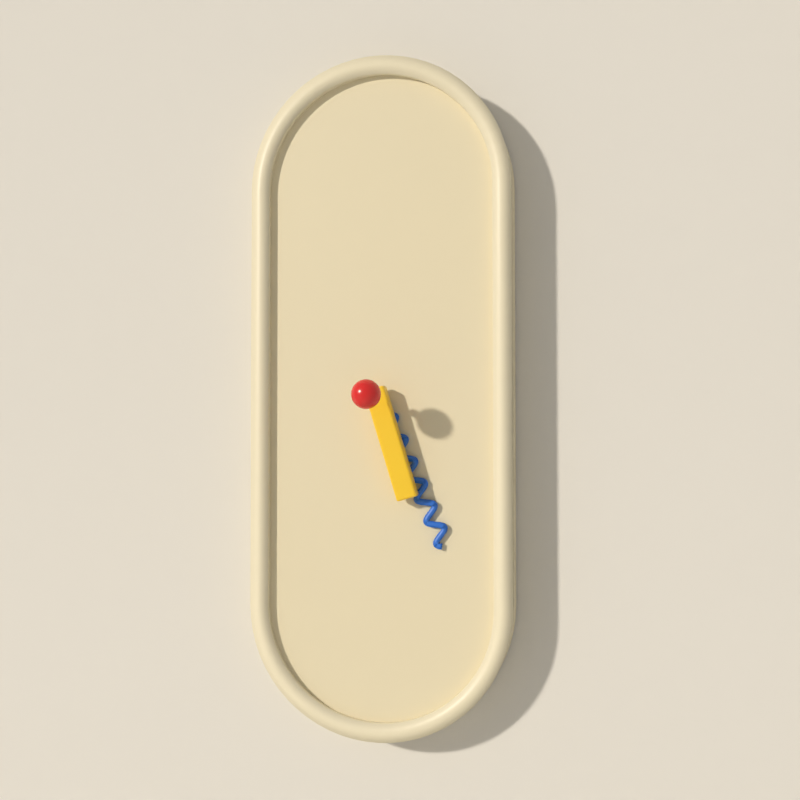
**5:26**
